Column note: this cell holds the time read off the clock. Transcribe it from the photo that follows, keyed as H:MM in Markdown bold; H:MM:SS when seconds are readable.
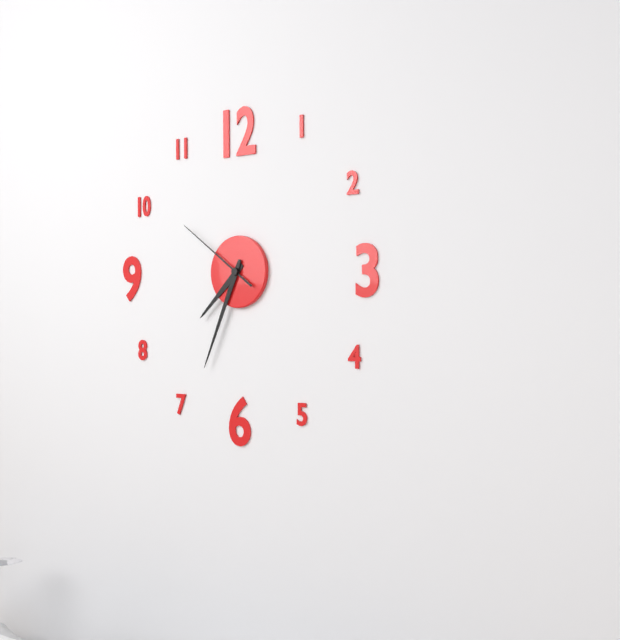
**7:34:51**
